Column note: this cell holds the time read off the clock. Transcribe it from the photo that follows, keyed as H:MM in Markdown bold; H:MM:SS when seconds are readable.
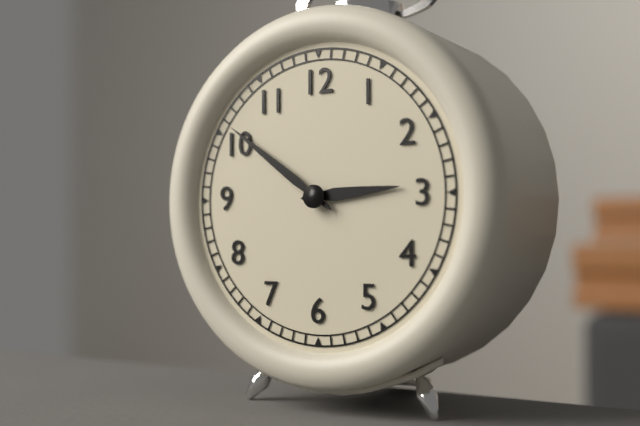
**2:51**
